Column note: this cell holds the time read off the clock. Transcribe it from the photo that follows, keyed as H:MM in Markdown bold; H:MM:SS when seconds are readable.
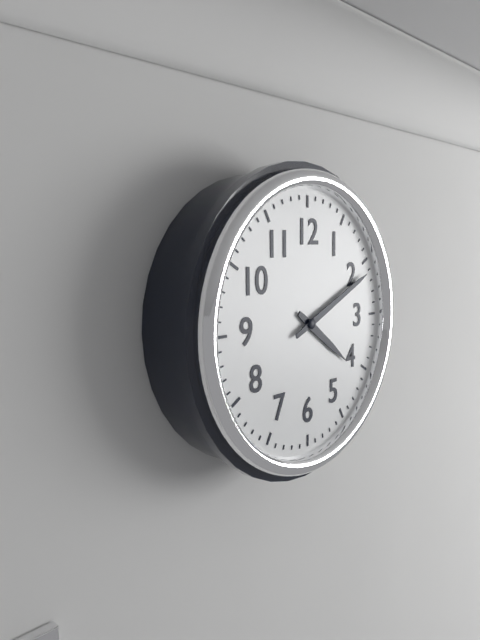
**4:11**
